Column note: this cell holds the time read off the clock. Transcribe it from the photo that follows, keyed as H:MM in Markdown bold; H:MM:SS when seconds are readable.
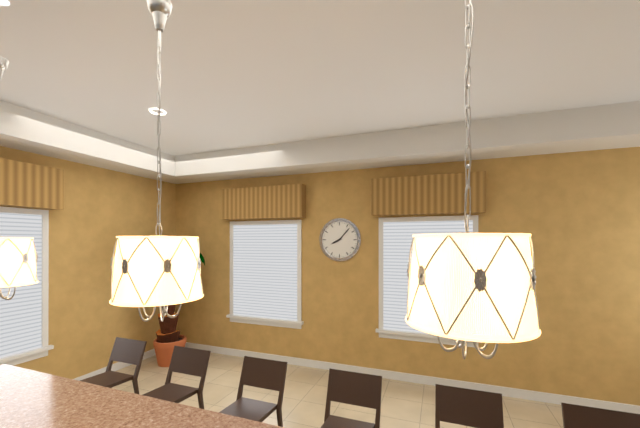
**8:07**
